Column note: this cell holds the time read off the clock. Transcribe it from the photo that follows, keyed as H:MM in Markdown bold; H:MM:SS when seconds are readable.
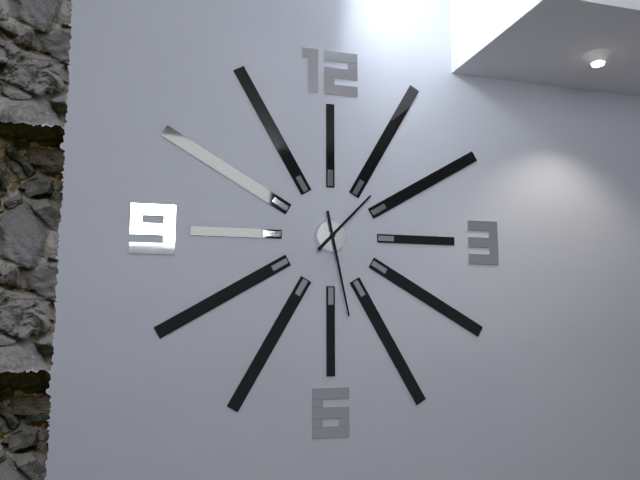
**1:28**
